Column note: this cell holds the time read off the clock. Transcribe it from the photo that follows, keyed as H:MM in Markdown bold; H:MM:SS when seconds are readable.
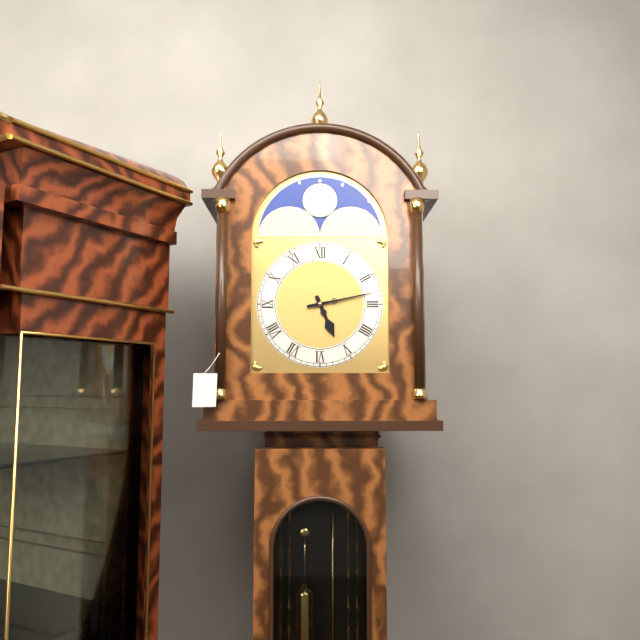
**5:13**
